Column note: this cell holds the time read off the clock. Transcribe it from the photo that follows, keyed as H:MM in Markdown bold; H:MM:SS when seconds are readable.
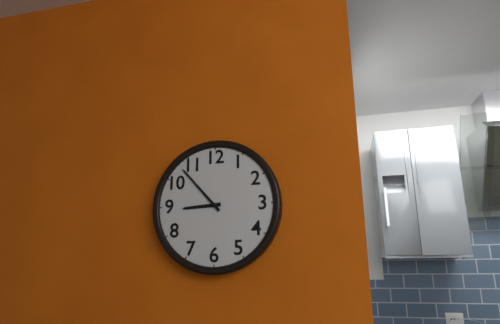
**8:53**
